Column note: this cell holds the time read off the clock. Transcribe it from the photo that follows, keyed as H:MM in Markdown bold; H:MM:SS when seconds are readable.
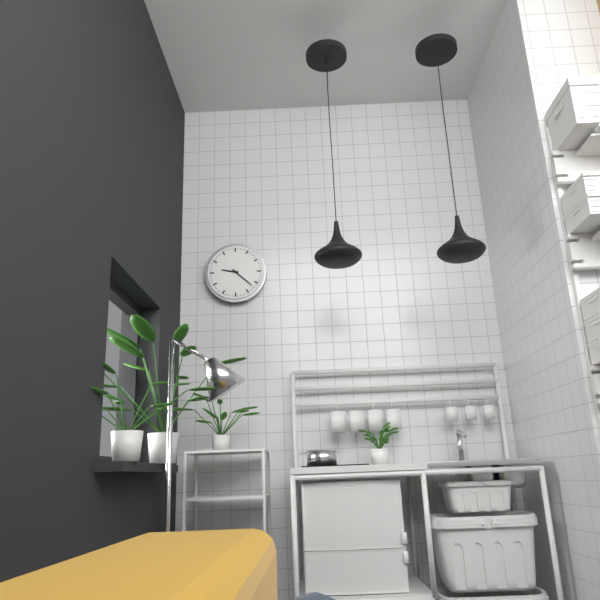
**9:22**
